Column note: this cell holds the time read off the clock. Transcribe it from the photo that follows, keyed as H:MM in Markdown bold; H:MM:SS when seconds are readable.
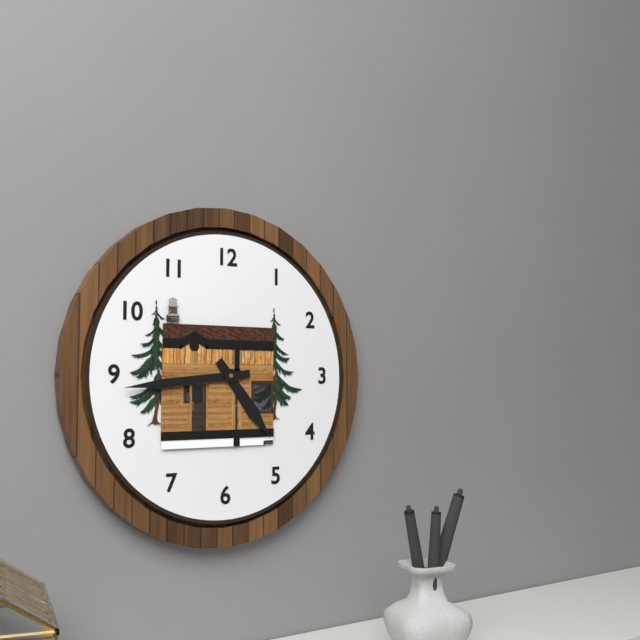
**4:44**
